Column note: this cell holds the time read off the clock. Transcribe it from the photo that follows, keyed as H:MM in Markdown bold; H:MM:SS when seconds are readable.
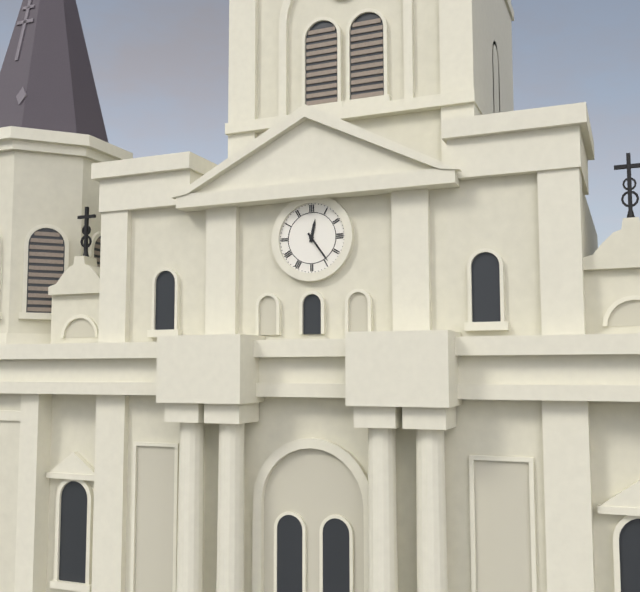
**12:24**
